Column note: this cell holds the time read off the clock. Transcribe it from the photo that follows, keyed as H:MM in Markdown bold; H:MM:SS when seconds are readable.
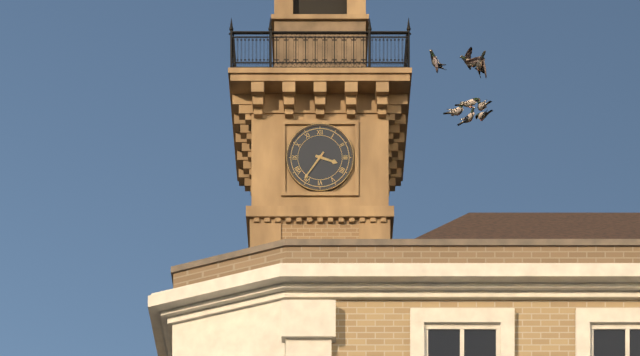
**3:36**
